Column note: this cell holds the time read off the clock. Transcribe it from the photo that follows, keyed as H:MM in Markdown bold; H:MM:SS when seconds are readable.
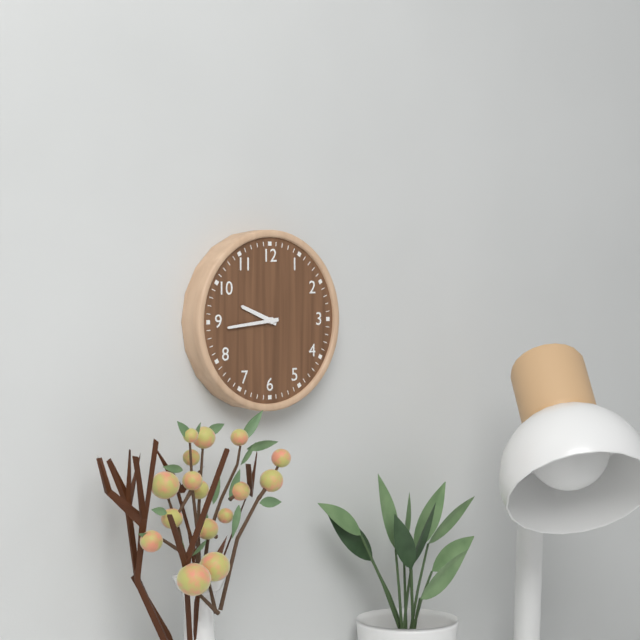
**9:44**
